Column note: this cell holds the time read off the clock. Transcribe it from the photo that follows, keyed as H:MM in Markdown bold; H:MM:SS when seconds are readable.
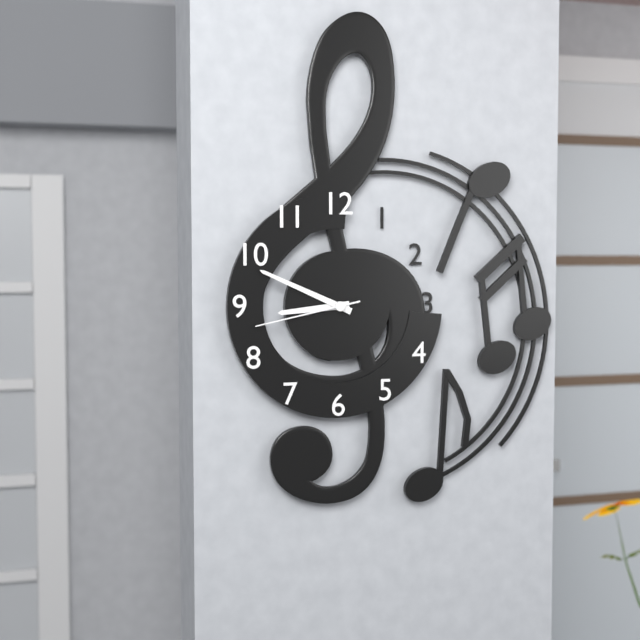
**8:49:43**
